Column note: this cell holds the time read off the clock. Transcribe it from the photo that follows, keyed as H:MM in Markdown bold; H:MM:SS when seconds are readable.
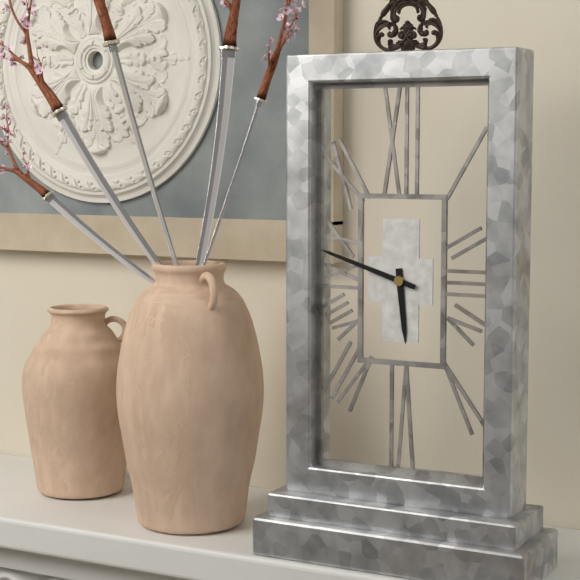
**5:48**
